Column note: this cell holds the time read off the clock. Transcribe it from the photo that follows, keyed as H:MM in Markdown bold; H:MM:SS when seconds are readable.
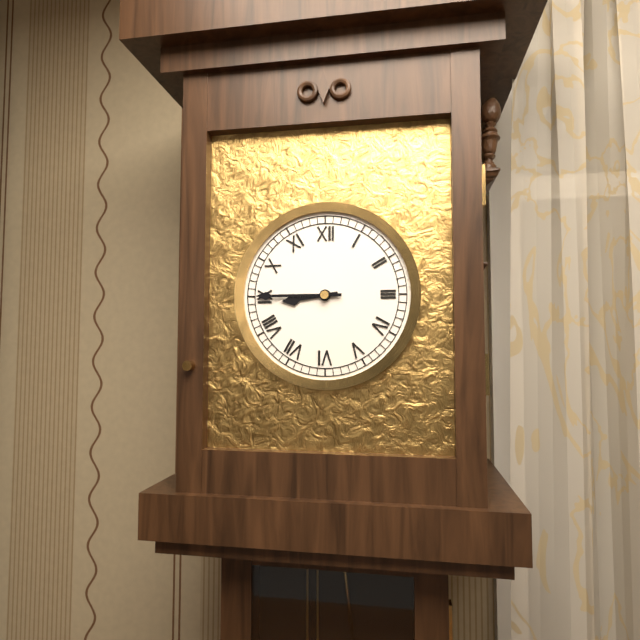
**8:45**
